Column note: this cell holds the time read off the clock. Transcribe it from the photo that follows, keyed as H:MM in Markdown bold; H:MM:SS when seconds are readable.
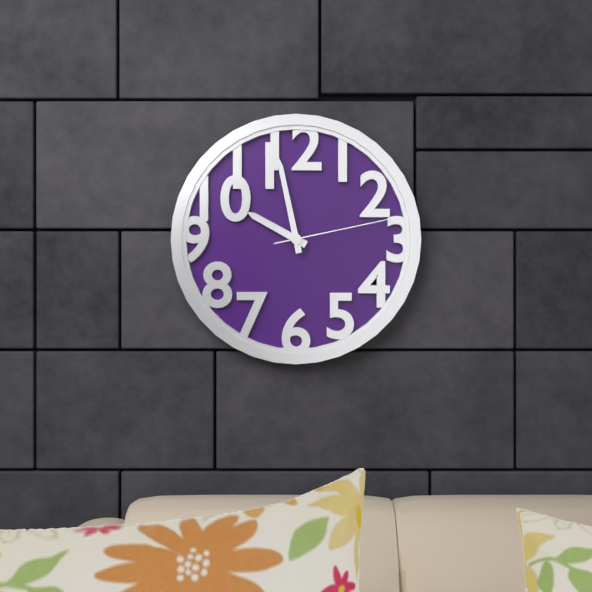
**9:58:13**
